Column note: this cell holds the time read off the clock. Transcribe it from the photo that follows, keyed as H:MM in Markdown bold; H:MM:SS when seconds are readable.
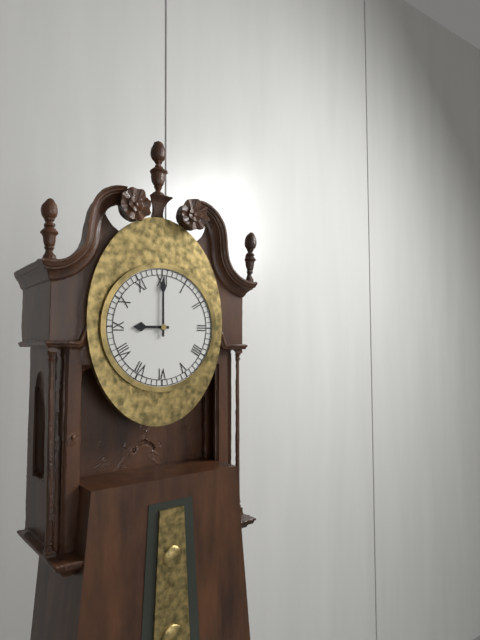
**9:00**
